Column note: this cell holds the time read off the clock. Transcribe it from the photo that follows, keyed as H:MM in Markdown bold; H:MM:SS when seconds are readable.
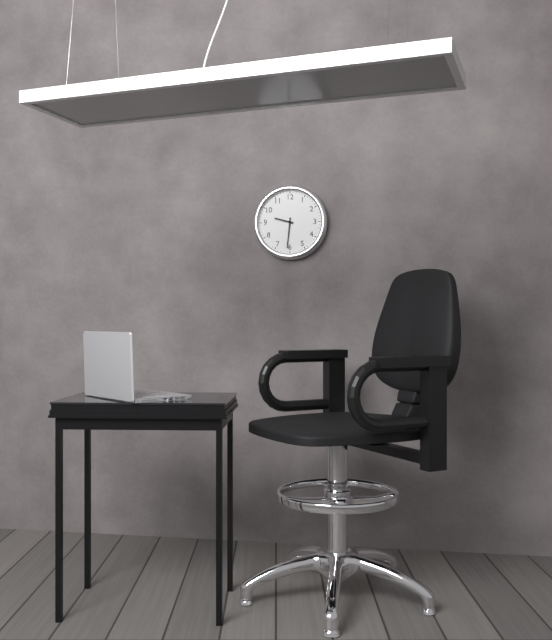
**9:31**
